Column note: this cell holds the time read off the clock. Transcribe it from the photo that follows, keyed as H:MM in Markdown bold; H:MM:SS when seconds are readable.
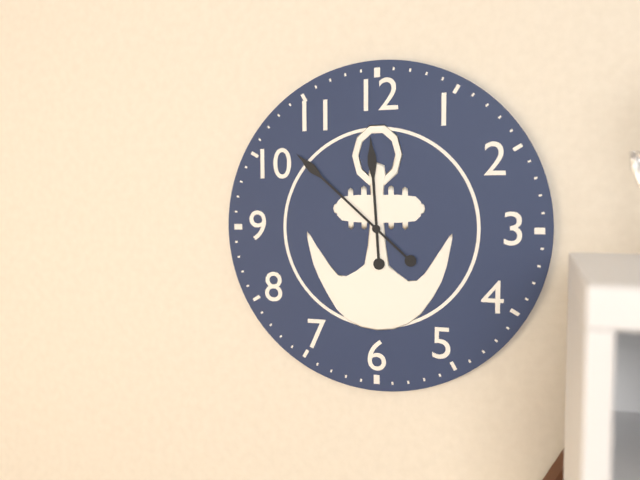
**11:52**
